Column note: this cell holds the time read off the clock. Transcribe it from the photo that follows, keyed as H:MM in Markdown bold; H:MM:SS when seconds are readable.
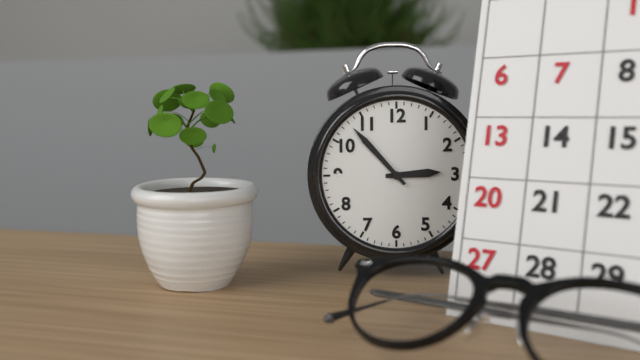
**2:53**
